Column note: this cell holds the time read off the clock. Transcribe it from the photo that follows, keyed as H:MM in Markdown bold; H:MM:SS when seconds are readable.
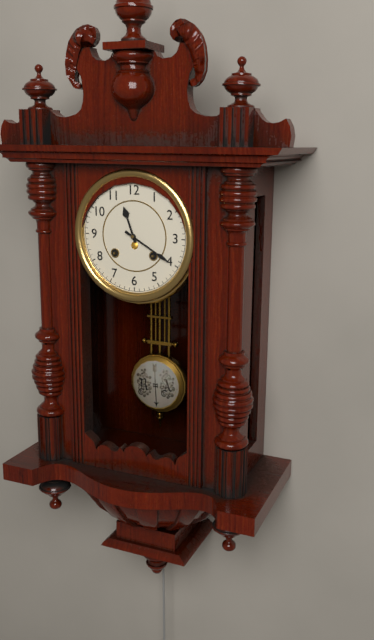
**11:20**
